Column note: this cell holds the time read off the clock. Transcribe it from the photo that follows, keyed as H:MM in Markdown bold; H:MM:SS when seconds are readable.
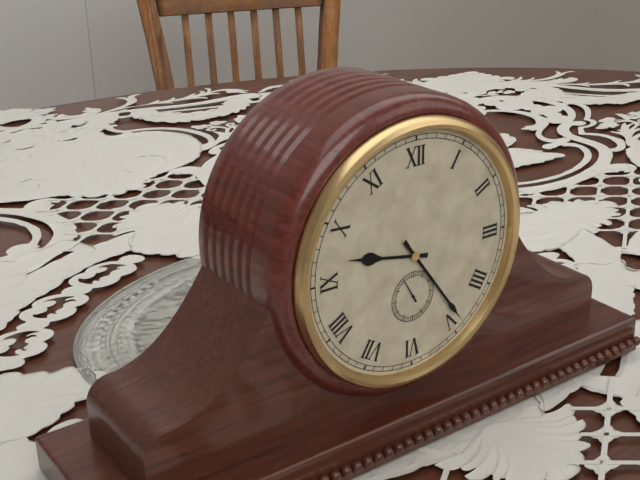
**9:24:55**
